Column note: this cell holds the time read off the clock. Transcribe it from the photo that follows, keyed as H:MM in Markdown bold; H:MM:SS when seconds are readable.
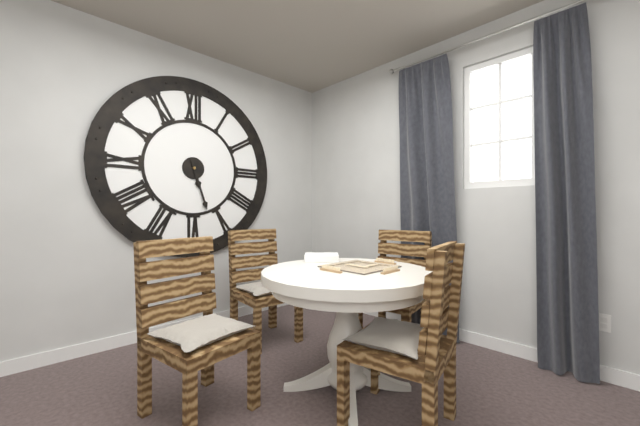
**5:27**
